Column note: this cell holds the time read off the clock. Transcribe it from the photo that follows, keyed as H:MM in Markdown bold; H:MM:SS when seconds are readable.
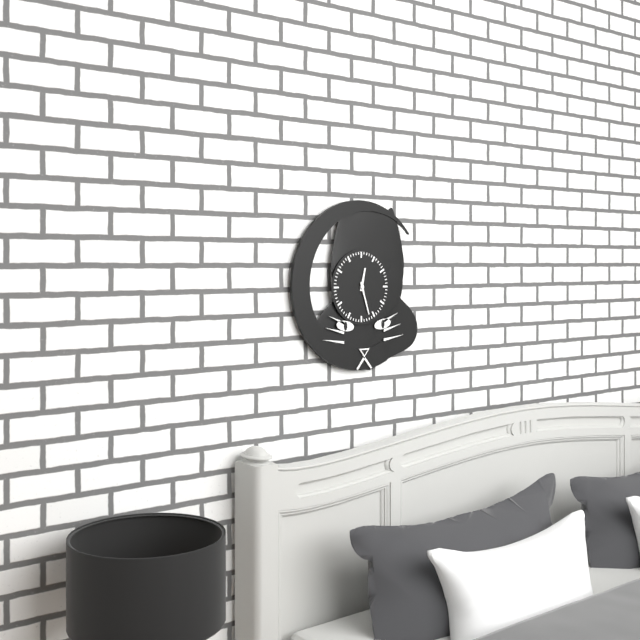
**12:27**
